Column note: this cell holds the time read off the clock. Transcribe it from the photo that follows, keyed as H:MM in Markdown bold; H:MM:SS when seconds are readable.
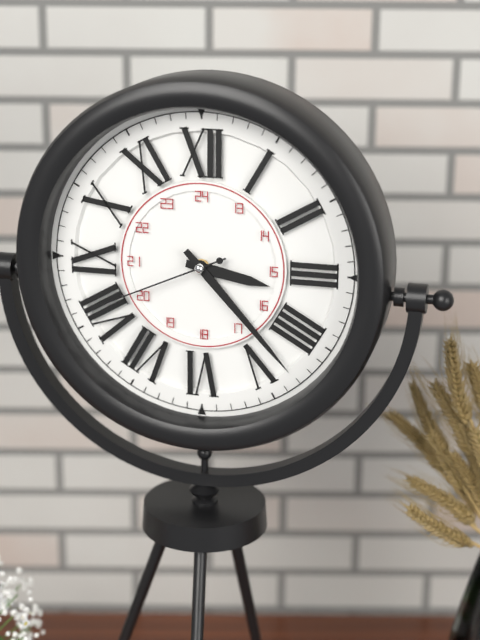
**3:23:41**
